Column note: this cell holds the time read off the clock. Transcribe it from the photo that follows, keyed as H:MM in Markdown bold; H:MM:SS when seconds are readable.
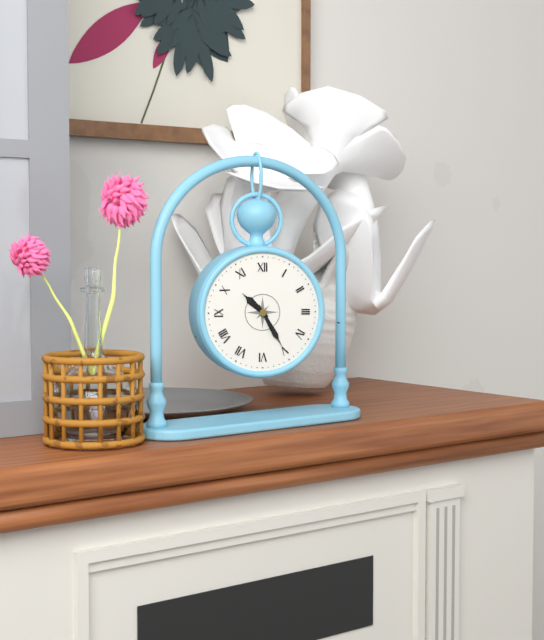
**10:25**
